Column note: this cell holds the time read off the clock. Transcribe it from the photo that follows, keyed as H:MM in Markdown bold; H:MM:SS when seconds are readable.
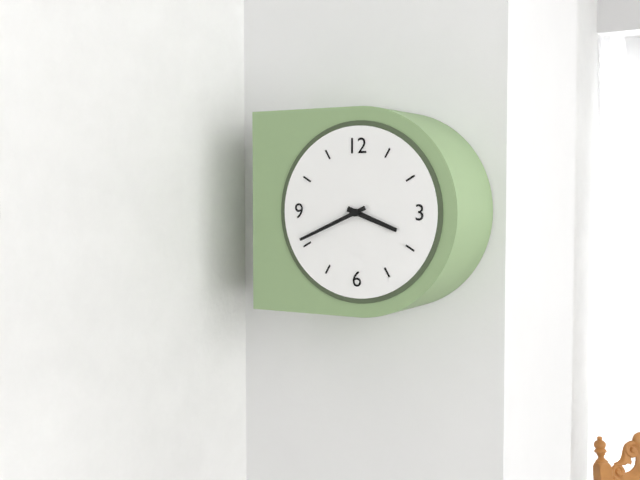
**3:41**
